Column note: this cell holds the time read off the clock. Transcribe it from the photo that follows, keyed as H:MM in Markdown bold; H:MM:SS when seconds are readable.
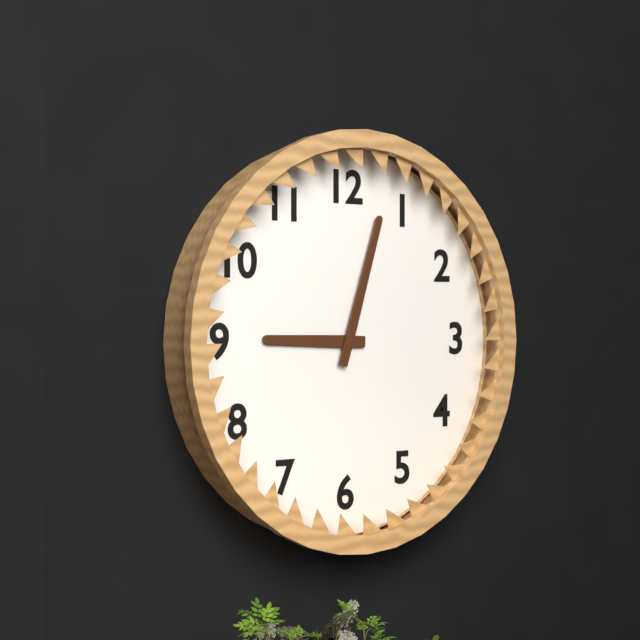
**9:03**
